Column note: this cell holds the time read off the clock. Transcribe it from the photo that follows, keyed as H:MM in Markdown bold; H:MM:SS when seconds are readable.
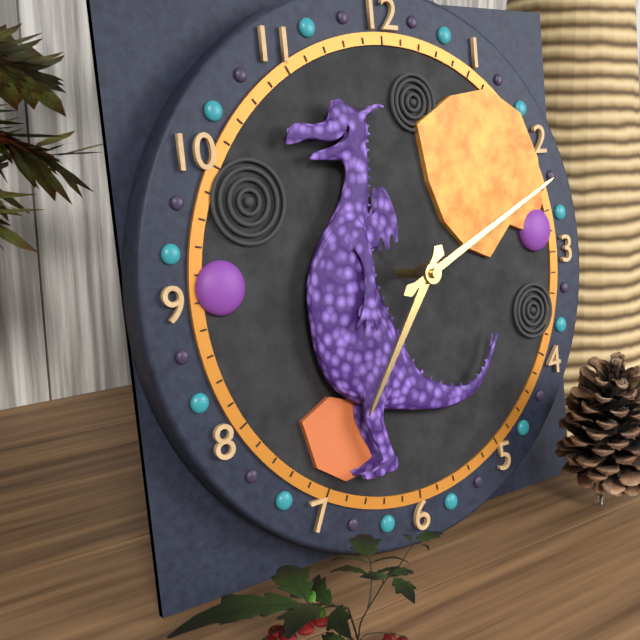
**7:11**
